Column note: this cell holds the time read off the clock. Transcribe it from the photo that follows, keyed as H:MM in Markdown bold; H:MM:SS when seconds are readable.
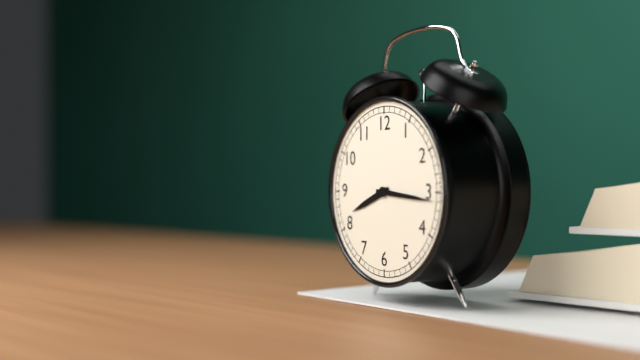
**8:16**
